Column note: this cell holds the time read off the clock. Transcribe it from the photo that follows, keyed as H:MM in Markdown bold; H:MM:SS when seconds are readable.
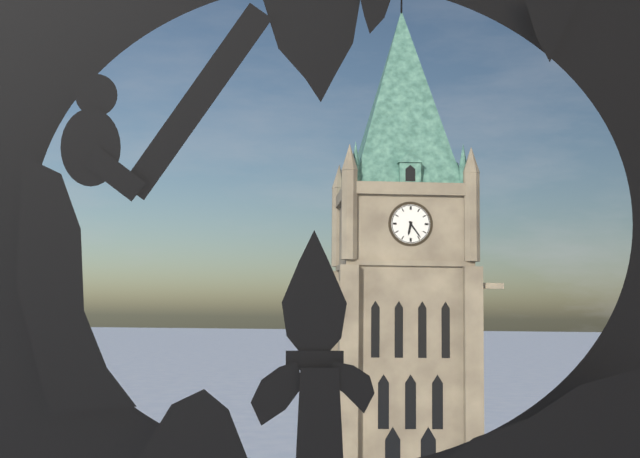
**6:24**
